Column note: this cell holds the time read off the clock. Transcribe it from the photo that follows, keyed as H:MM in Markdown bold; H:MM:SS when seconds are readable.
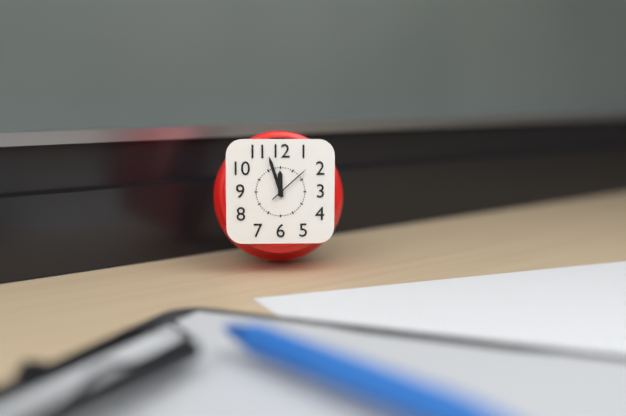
**11:57**
